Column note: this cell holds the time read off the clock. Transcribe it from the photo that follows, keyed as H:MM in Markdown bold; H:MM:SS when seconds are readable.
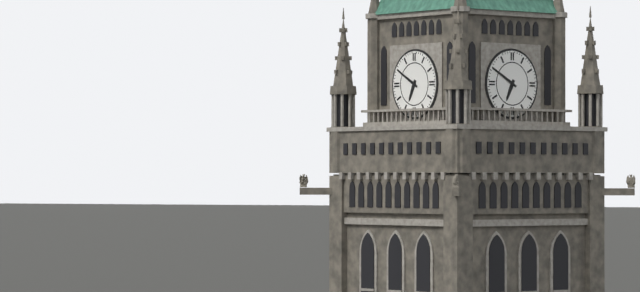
**6:50**
